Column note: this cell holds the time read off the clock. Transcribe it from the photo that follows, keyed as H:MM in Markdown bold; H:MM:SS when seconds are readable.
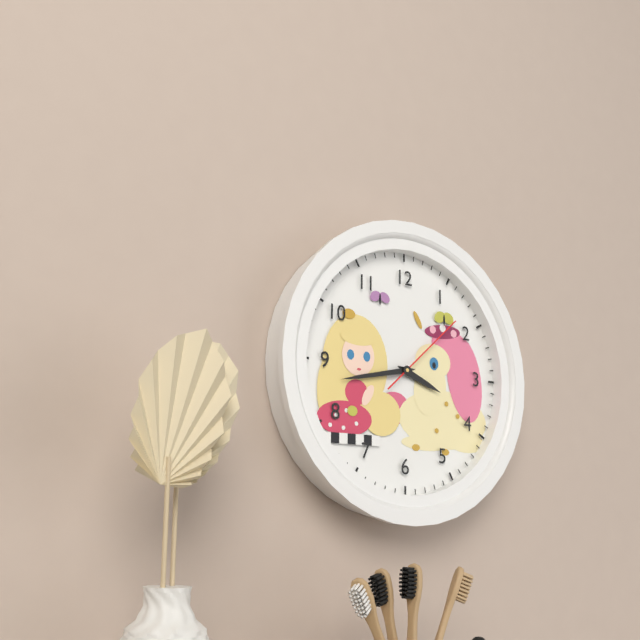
**3:43:08**
